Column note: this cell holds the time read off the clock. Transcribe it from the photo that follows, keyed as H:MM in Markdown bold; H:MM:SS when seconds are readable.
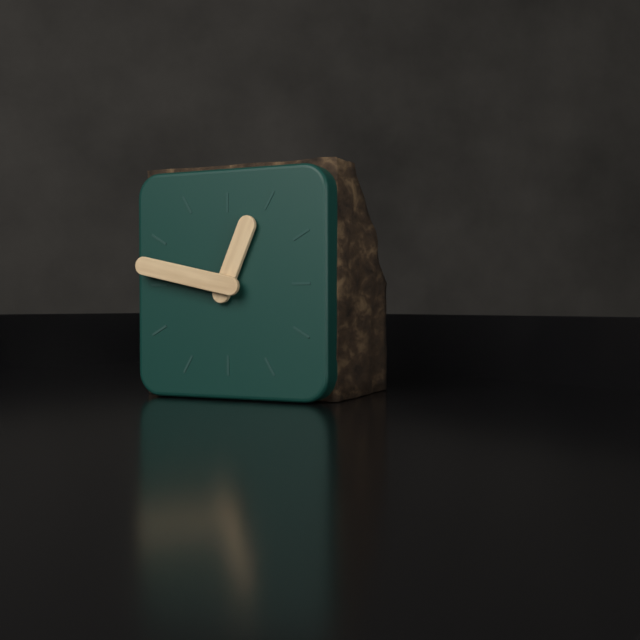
**12:47**
